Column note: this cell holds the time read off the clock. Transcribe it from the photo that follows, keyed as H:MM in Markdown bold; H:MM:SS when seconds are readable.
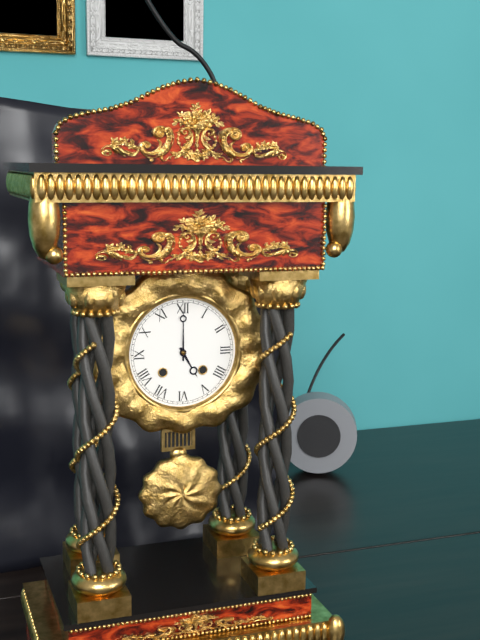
**5:00**
